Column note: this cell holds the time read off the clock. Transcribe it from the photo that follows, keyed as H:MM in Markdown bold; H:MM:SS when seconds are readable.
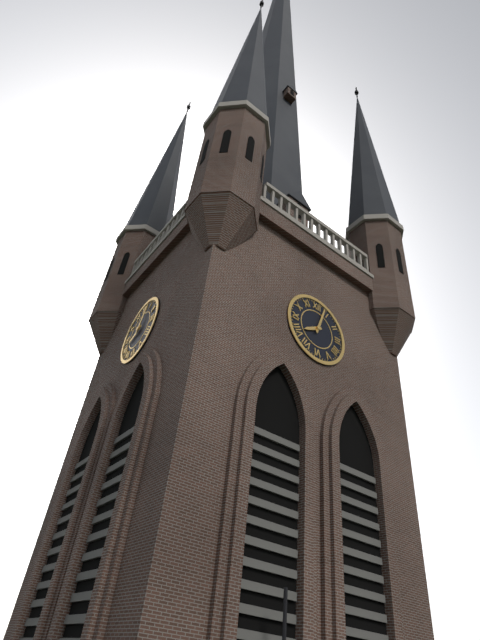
**8:03**
